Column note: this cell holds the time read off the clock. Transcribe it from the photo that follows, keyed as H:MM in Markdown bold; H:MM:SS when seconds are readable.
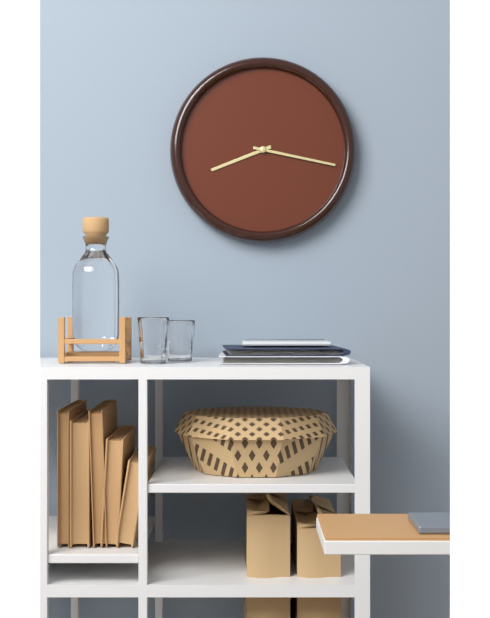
**8:17**
